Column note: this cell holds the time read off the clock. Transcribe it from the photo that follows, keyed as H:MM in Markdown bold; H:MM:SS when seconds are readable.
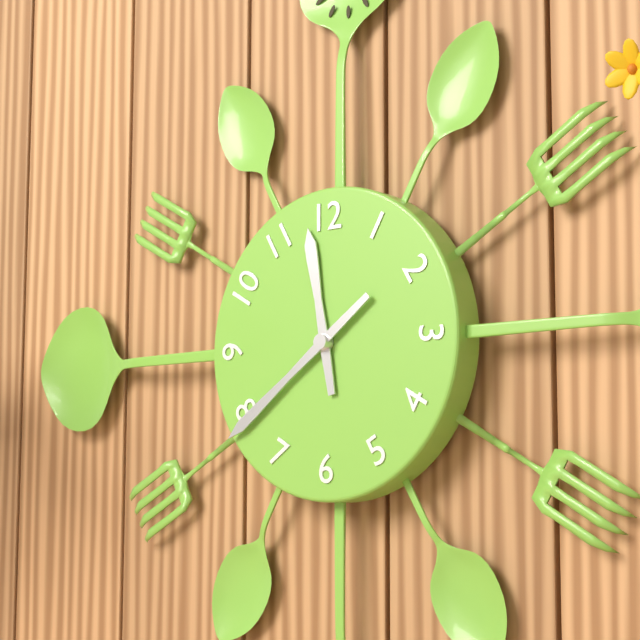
**11:39**
